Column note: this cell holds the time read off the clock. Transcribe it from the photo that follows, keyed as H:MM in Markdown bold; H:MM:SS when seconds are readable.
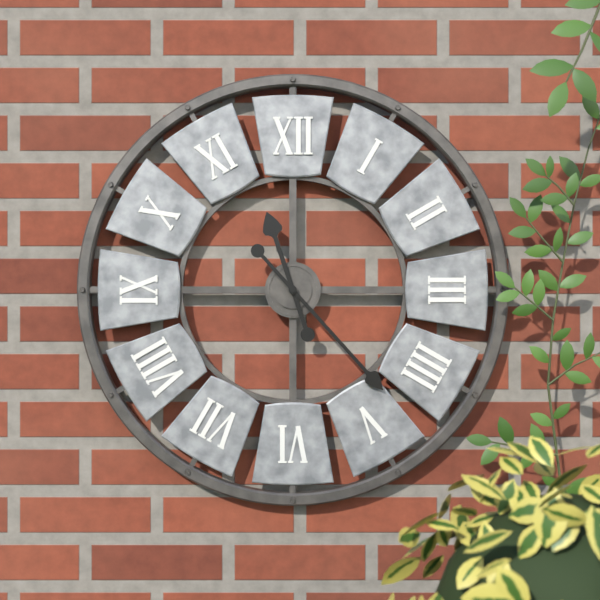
**11:23**
